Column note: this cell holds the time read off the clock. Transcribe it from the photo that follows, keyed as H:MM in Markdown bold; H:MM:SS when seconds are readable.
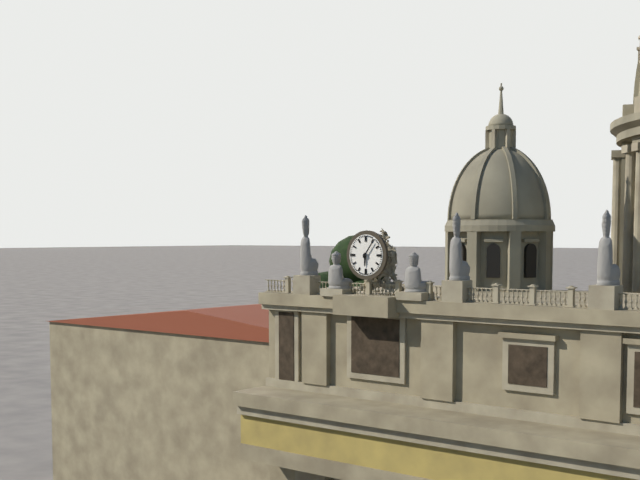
**6:06**
